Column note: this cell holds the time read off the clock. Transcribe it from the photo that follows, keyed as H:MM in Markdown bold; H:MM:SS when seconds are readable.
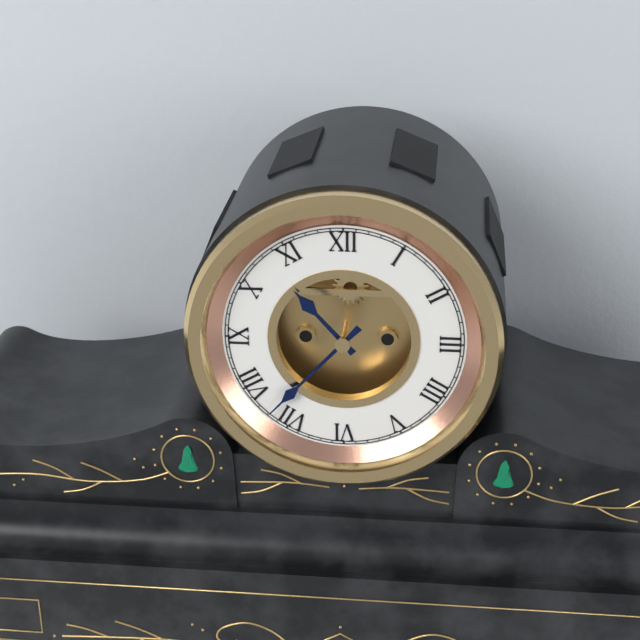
**10:37**
